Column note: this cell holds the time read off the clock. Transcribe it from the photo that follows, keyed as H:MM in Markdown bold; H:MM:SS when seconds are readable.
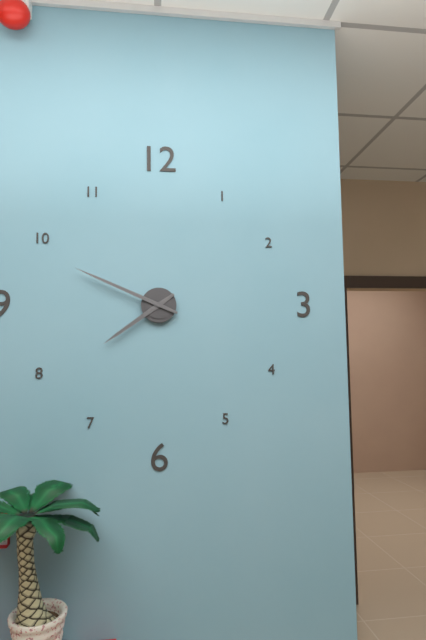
**7:49**
